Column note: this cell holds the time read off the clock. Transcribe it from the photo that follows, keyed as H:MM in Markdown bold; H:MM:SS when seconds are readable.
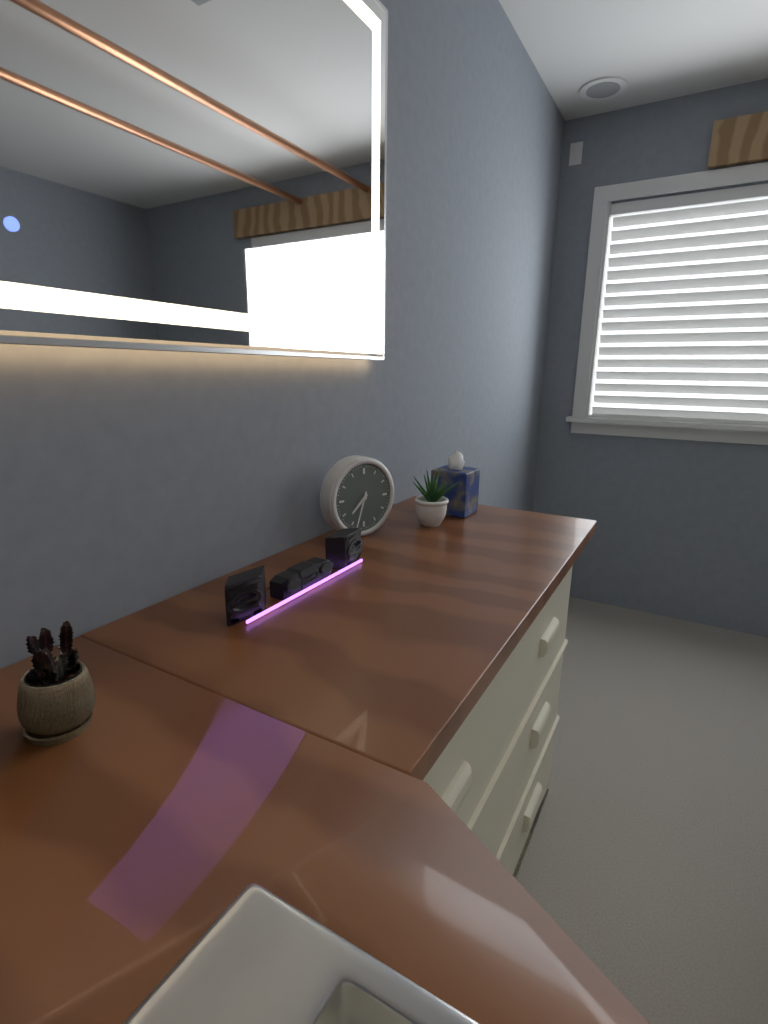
**7:33**
